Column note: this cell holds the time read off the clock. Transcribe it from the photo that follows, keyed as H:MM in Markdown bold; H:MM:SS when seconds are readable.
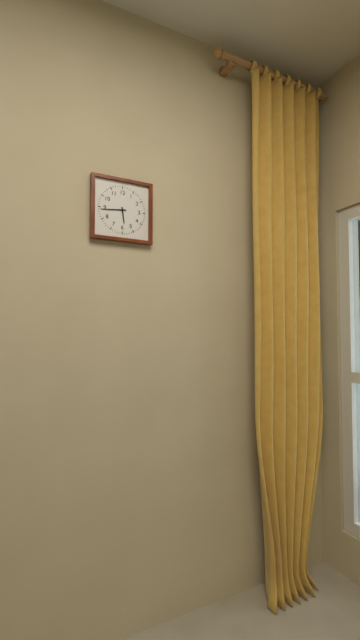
**5:44**
